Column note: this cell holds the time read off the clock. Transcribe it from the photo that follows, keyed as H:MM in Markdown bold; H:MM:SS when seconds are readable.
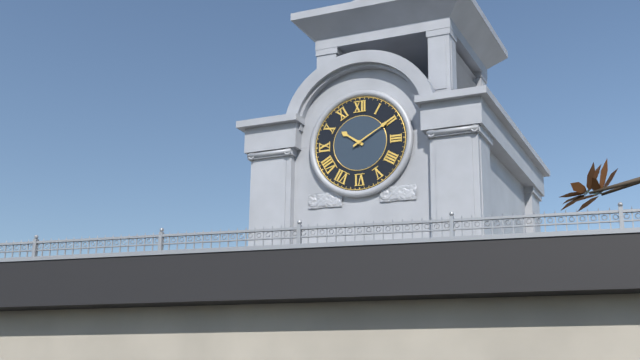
**10:10**
